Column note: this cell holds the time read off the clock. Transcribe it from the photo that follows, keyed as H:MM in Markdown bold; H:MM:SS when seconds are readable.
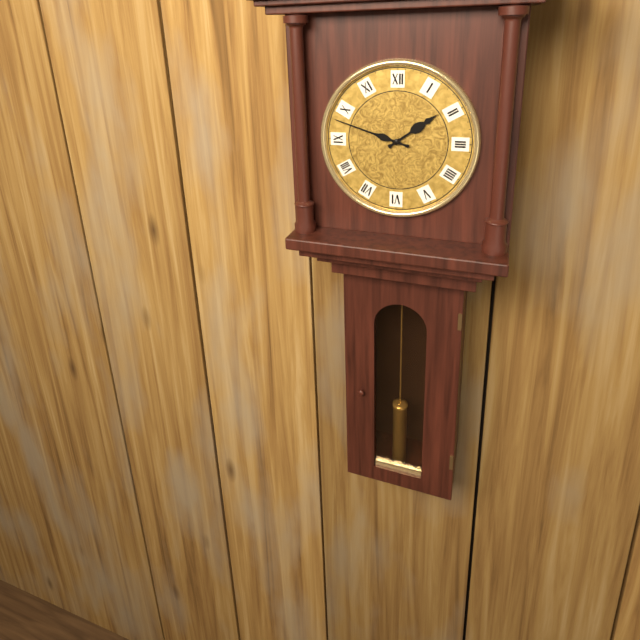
**1:48**
